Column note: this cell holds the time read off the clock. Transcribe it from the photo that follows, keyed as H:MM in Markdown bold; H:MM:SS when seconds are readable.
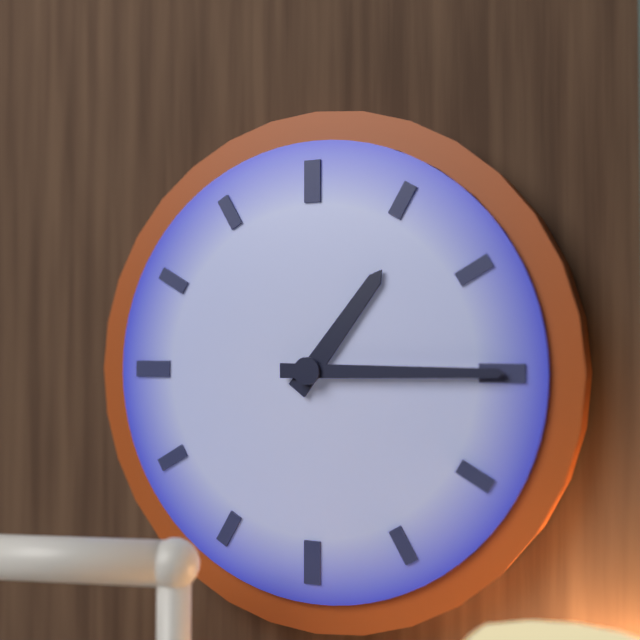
**1:15**
